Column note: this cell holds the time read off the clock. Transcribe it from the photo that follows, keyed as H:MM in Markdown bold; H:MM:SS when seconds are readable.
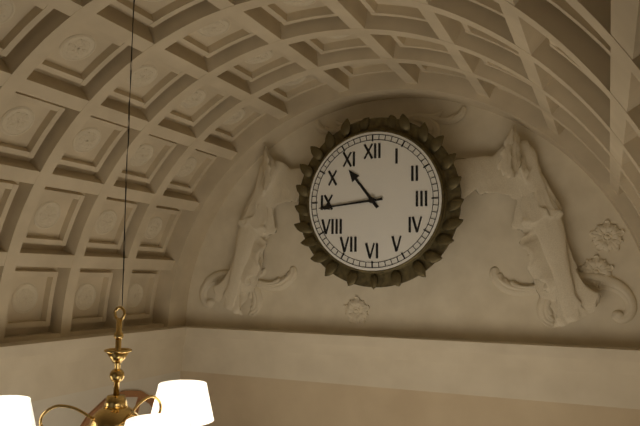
**10:44**
